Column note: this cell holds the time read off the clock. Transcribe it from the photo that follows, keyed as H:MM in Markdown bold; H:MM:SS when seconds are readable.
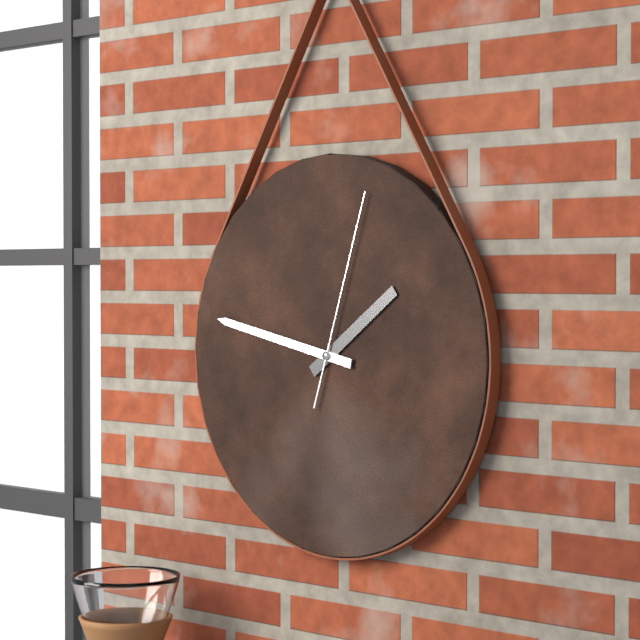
**1:47:03**
